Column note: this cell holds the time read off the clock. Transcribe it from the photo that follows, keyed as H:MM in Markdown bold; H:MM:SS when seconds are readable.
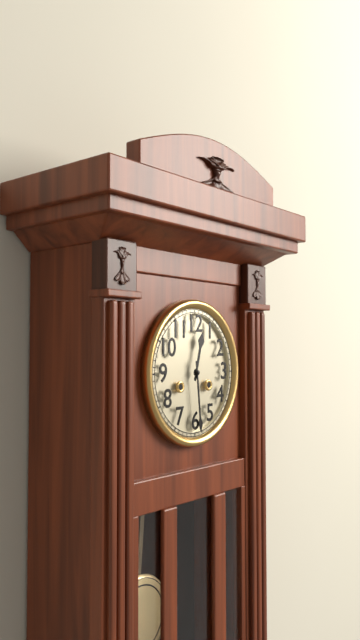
**12:29**
